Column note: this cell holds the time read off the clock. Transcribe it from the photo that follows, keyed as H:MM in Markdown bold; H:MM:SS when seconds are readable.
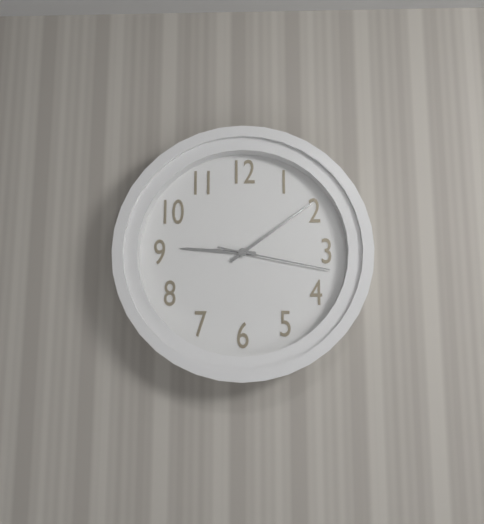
**9:09:17**
